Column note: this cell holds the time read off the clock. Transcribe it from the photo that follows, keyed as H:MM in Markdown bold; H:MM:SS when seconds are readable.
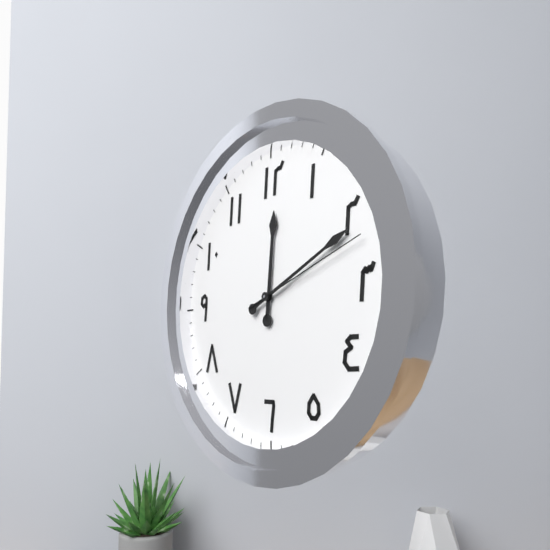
**12:11:12**
